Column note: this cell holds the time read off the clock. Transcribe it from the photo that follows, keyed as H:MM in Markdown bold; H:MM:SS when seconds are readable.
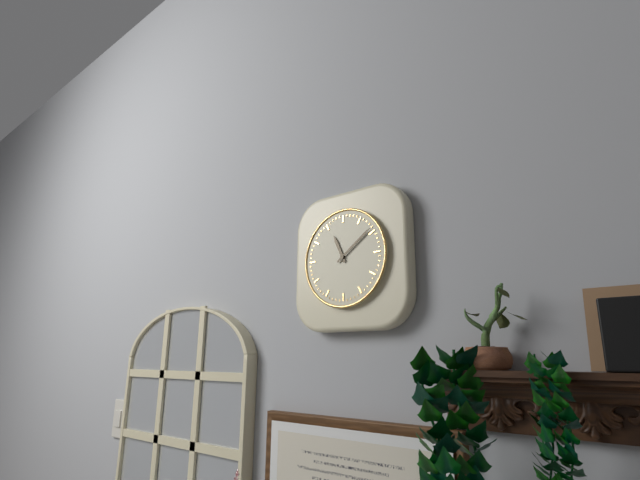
**11:09**
